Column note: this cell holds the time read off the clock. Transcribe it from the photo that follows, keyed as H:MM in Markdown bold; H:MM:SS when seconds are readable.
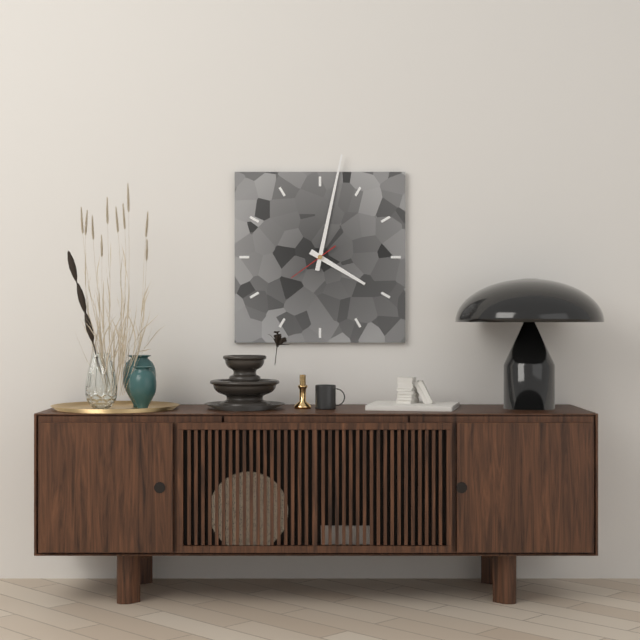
**4:02**
